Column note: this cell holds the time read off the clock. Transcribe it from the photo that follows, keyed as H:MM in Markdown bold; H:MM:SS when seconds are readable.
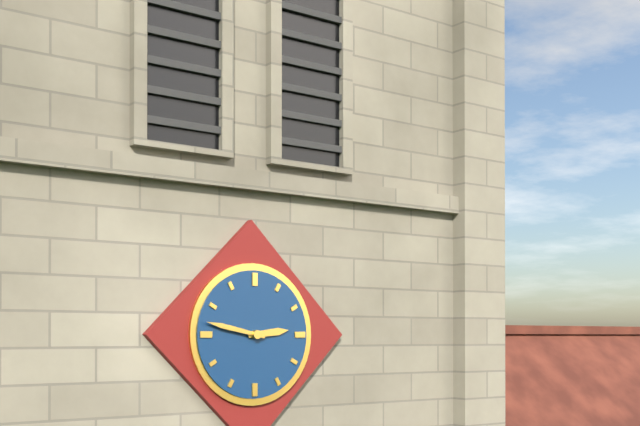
**2:47**
